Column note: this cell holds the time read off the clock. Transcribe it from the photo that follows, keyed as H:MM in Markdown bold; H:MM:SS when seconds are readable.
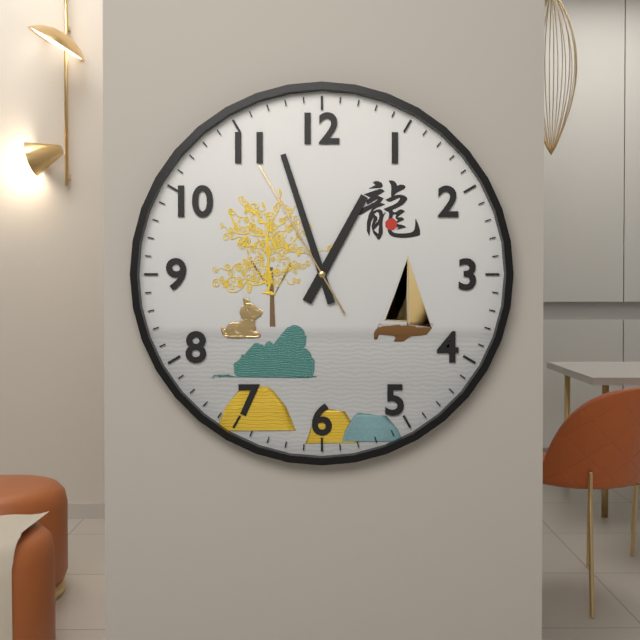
**12:57:55**
